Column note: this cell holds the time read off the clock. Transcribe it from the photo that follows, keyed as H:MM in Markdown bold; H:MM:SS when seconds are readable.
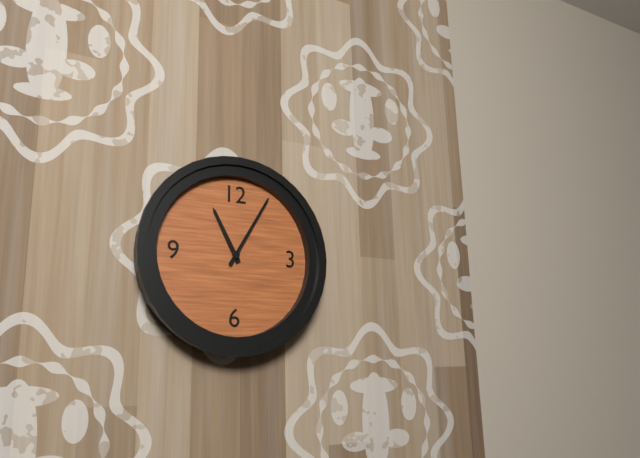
**11:05**
